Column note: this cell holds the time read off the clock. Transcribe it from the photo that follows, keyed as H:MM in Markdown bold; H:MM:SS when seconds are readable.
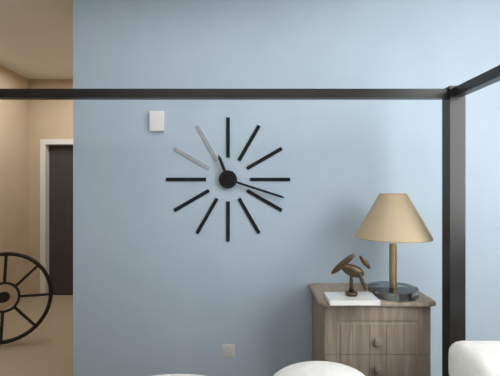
**11:18**
